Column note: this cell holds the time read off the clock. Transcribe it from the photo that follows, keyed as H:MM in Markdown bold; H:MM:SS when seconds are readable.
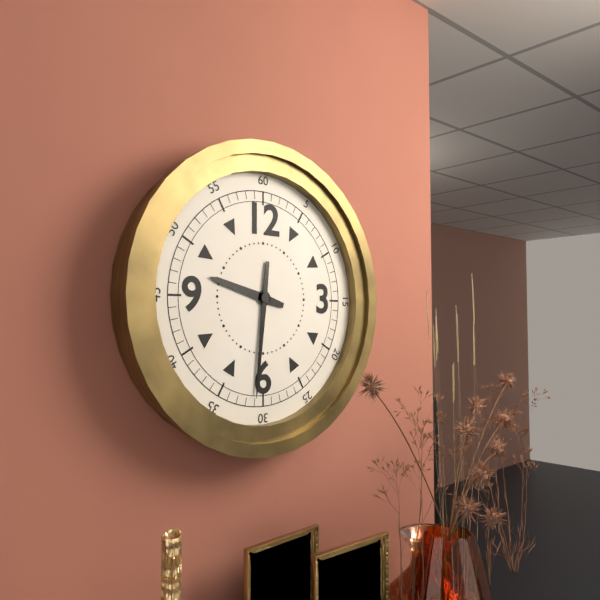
**9:31**
